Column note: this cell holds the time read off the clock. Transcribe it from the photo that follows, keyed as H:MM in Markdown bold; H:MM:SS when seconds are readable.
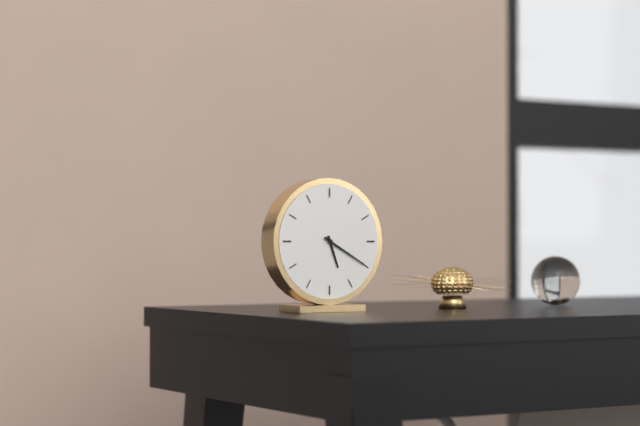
**5:20**
